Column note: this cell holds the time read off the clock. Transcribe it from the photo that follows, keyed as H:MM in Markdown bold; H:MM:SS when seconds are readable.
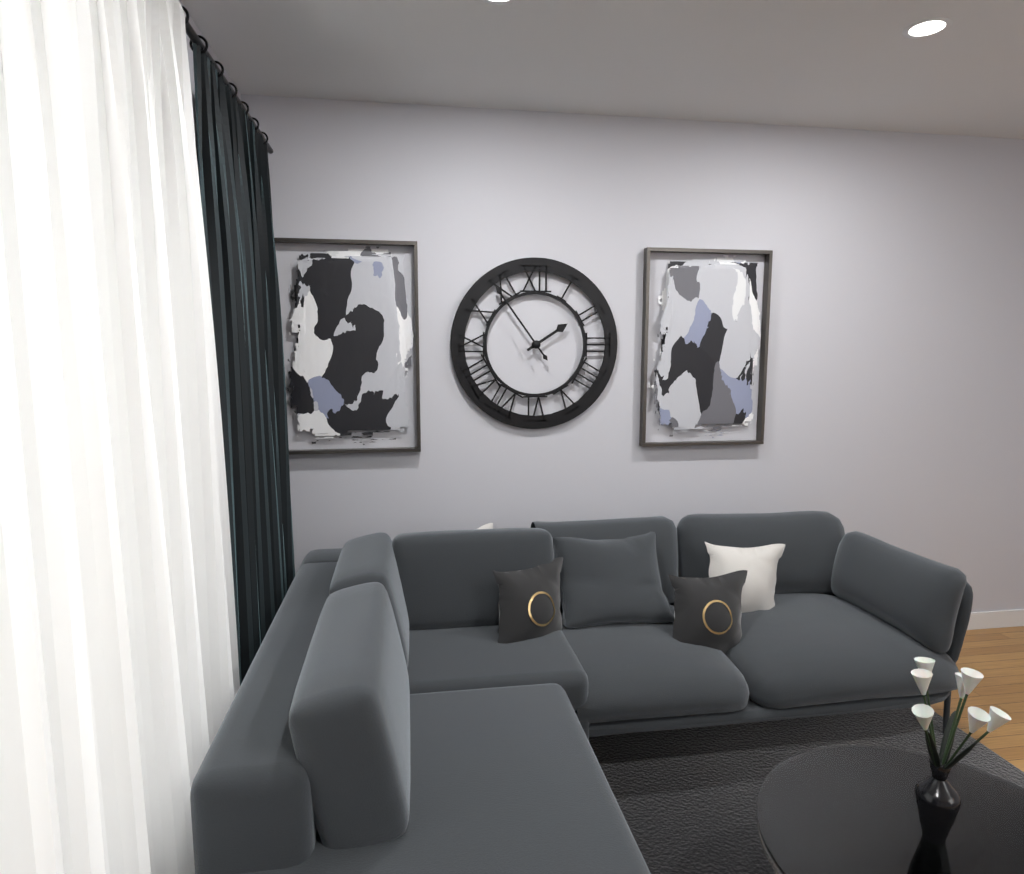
**1:54**
